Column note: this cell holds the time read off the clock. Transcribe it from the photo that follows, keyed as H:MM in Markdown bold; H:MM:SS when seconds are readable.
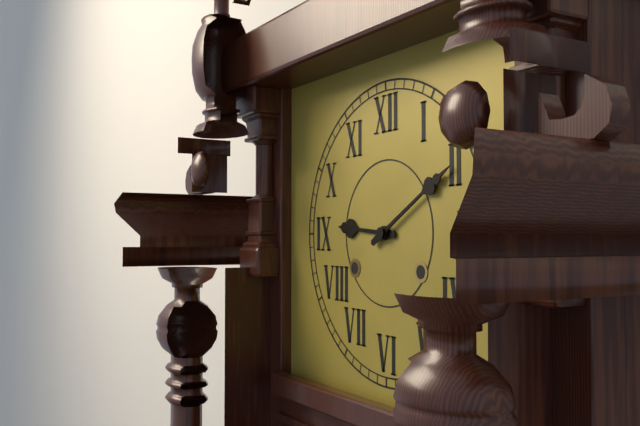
**9:10**
